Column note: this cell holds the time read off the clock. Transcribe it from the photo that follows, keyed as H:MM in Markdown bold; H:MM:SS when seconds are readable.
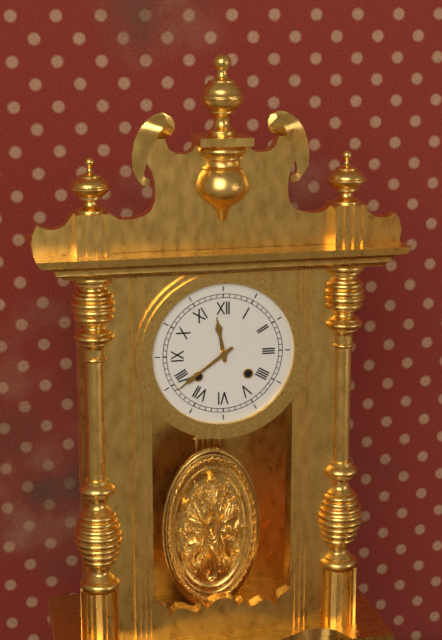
**11:39**
